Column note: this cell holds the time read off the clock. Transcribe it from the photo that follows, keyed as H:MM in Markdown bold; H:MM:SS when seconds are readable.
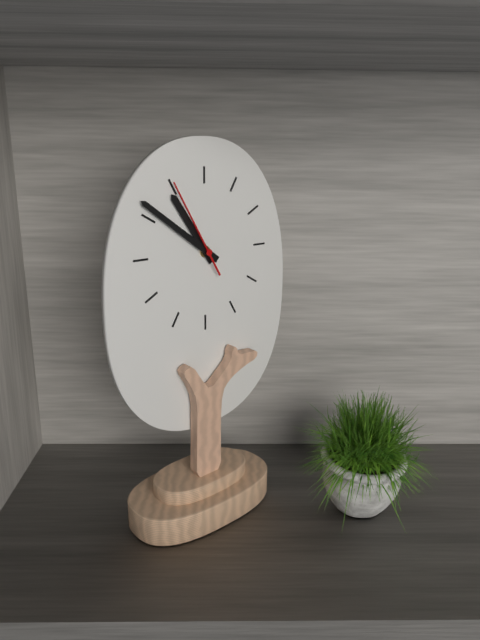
**10:51:55**
